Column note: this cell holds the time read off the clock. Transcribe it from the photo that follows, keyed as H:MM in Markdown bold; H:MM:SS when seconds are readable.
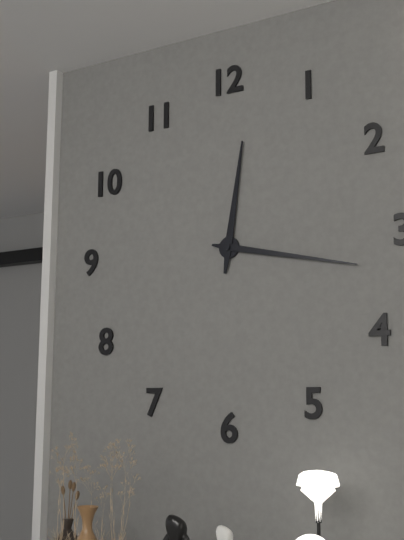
**12:17**
